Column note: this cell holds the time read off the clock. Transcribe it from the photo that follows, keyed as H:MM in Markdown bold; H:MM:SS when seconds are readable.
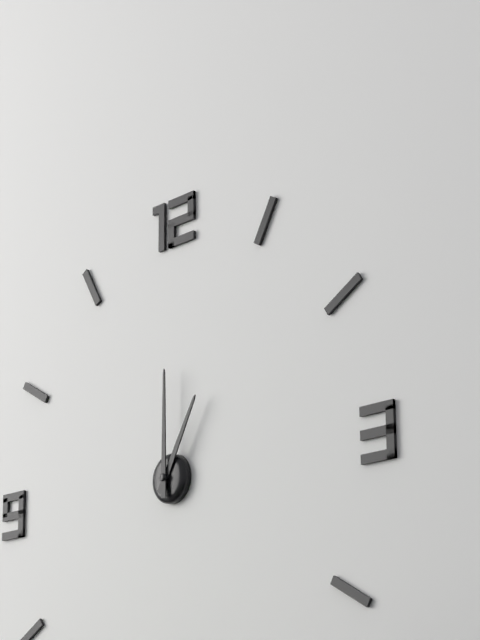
**1:00**
